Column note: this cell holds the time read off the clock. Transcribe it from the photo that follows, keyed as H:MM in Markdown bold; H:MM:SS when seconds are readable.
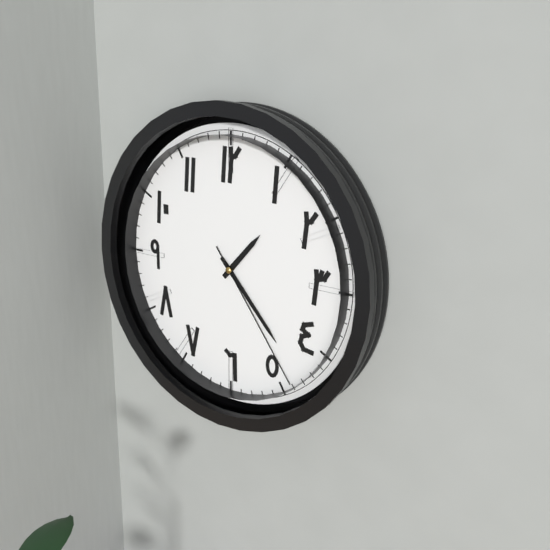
**1:23:24**
